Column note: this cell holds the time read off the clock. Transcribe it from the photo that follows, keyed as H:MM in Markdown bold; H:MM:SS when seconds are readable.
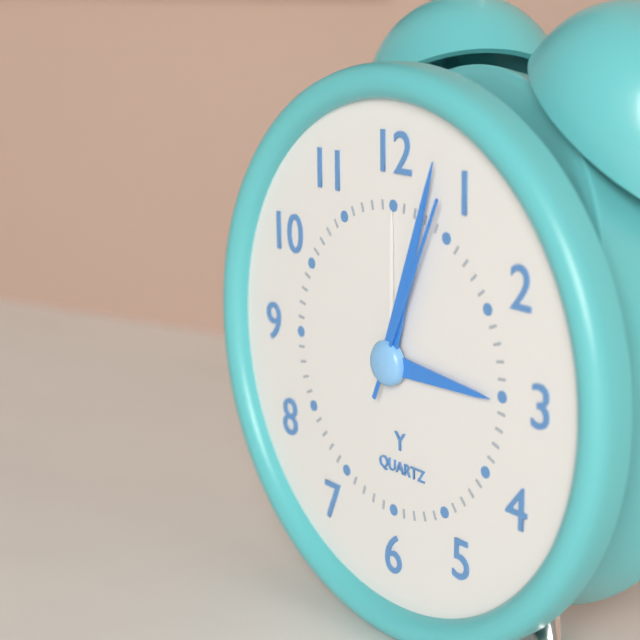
**3:03:04**
